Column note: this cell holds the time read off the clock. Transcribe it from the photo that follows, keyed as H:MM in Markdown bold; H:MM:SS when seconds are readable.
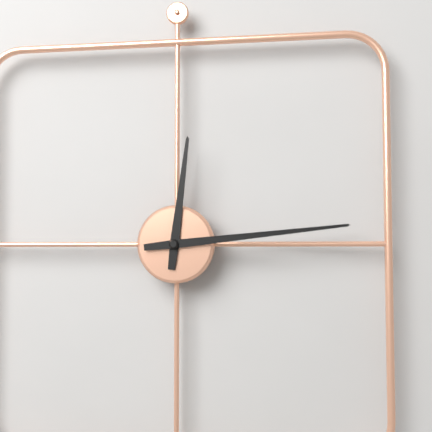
**12:14**
